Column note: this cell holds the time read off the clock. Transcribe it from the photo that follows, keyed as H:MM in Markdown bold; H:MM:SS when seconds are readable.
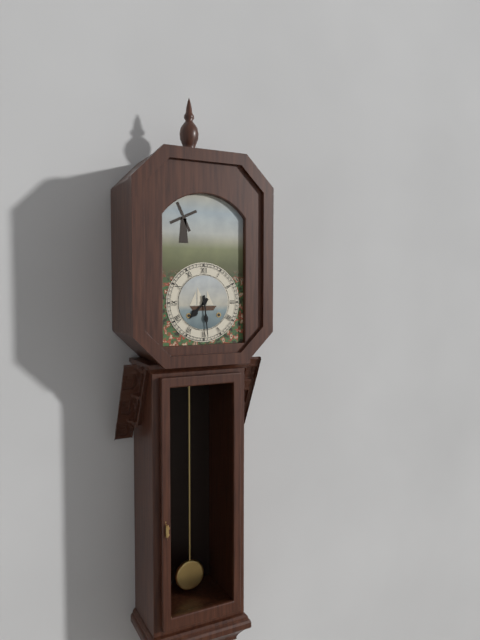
**7:29**
